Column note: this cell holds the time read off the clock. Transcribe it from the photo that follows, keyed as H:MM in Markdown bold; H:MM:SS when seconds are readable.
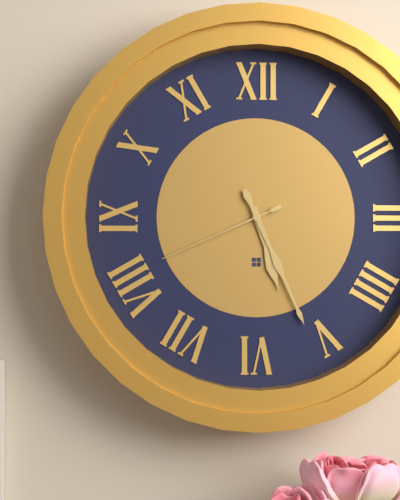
**5:26:41**
